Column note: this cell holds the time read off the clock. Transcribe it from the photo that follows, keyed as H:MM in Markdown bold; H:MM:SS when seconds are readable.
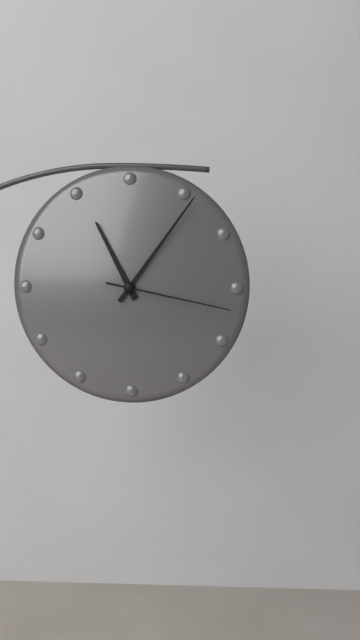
**11:06:17**
